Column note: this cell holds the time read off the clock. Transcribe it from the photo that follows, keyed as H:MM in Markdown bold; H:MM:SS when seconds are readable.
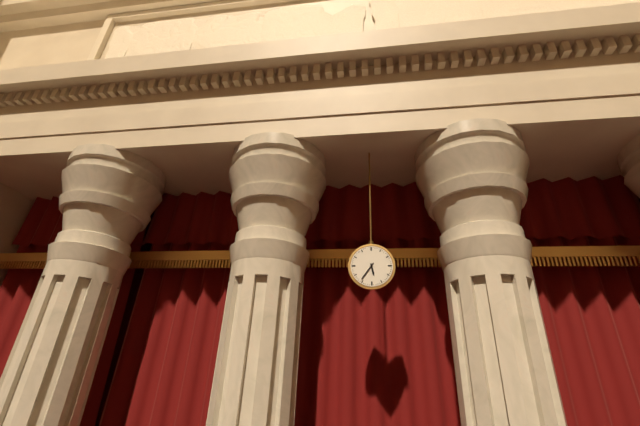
**5:36**
